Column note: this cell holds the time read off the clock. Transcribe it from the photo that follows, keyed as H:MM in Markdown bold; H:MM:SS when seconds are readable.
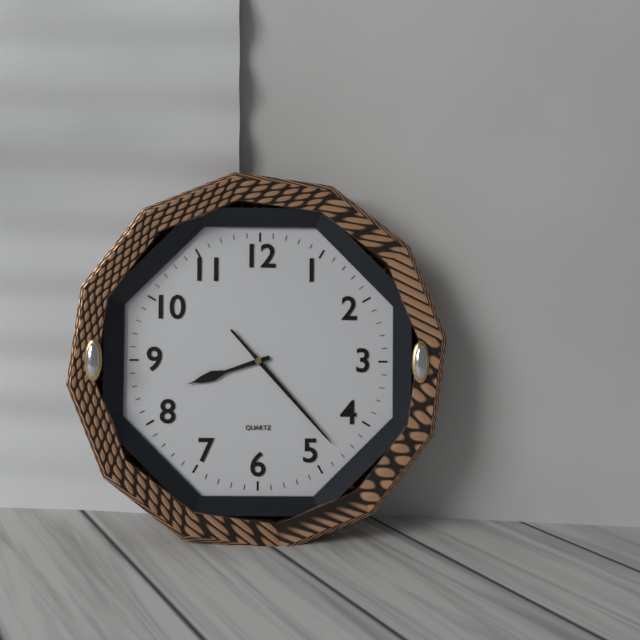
**8:23**
